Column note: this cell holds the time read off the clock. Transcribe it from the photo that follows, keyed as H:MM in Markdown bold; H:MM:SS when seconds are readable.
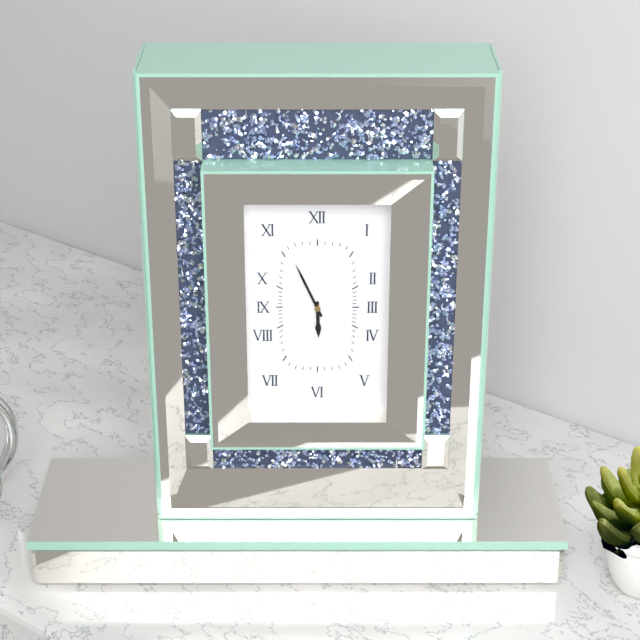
**5:56**
